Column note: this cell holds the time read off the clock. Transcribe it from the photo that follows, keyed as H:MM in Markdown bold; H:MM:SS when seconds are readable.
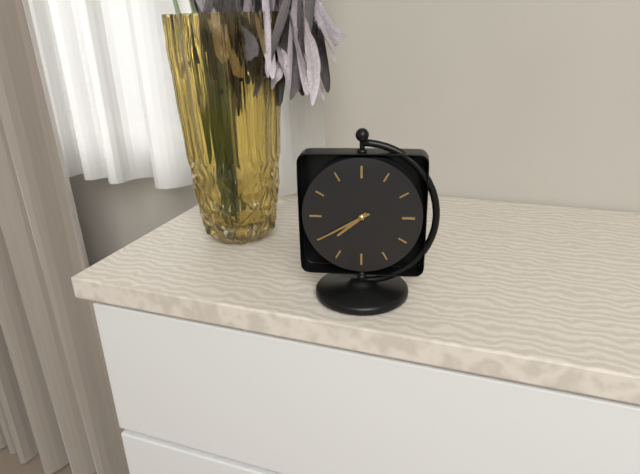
**7:40**
